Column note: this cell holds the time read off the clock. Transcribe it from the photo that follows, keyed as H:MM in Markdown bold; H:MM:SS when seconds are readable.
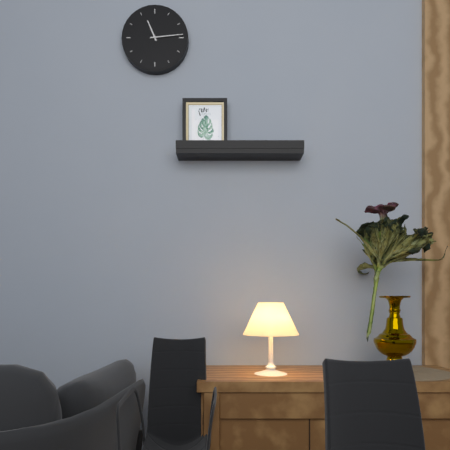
**11:14**
